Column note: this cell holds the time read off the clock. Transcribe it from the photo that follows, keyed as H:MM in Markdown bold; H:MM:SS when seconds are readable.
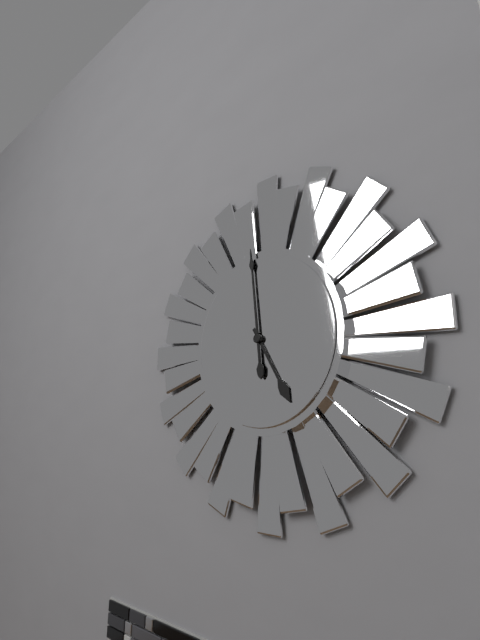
**4:59**
